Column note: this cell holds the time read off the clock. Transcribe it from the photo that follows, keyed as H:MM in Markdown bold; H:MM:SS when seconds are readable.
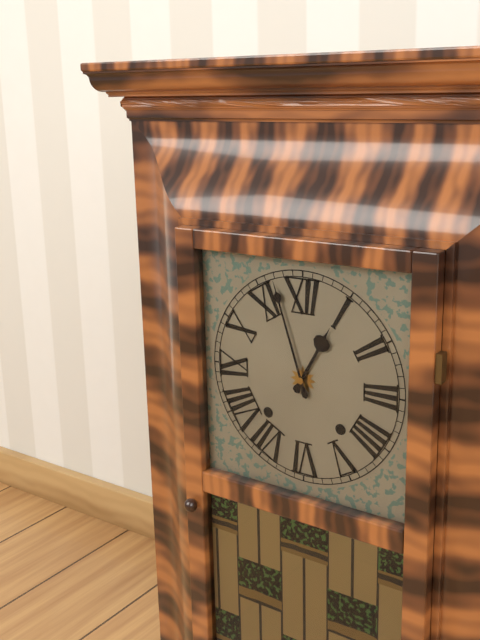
**12:57**
